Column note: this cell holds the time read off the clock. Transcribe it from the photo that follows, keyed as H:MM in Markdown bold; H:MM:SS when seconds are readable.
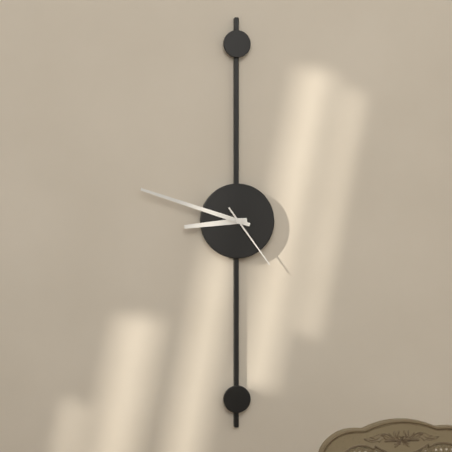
**8:48:24**
